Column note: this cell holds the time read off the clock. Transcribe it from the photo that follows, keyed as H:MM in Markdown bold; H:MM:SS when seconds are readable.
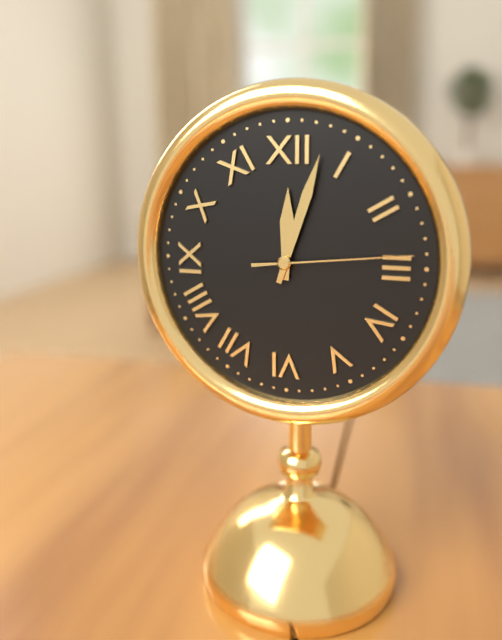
**12:03:14**
